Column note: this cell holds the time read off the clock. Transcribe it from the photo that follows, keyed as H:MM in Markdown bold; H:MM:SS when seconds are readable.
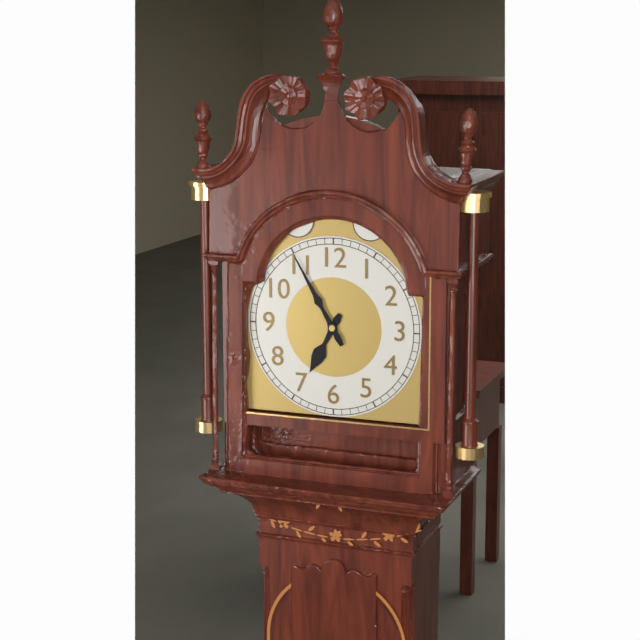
**6:55**
